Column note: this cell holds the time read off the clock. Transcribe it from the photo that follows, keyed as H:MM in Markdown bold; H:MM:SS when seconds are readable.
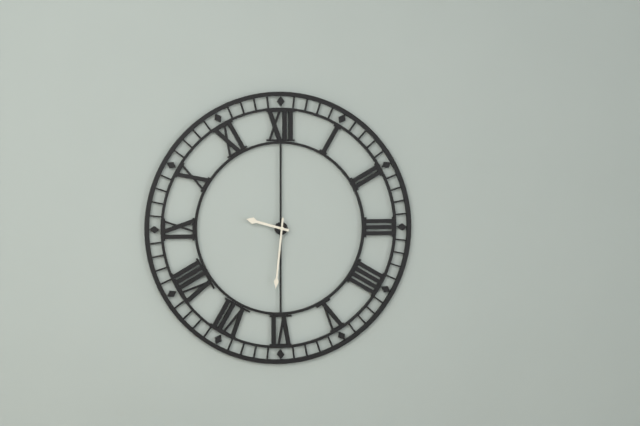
**9:31**
